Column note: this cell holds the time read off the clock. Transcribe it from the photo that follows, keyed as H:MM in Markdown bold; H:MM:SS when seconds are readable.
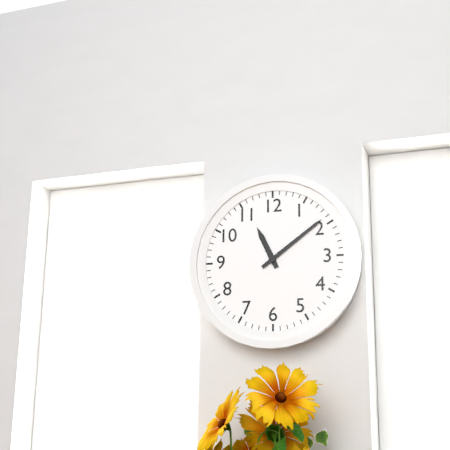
**11:09**
